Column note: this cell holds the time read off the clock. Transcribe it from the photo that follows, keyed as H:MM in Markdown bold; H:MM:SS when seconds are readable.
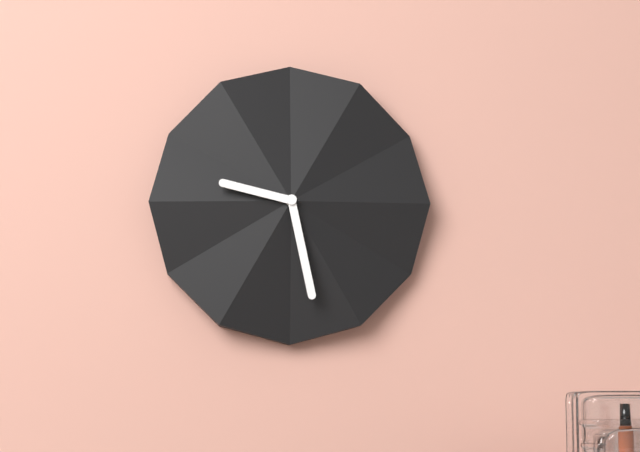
**9:28**
